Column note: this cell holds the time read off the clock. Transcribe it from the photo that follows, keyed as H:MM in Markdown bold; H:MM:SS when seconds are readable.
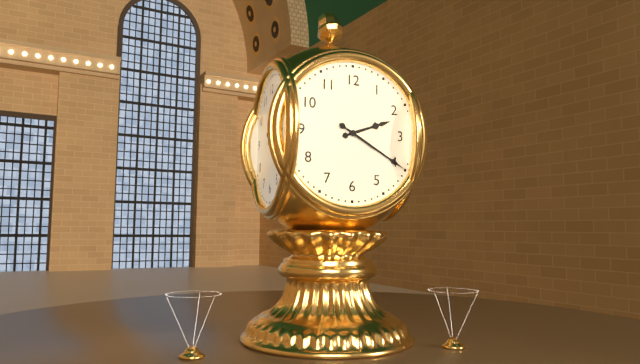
**2:20**
